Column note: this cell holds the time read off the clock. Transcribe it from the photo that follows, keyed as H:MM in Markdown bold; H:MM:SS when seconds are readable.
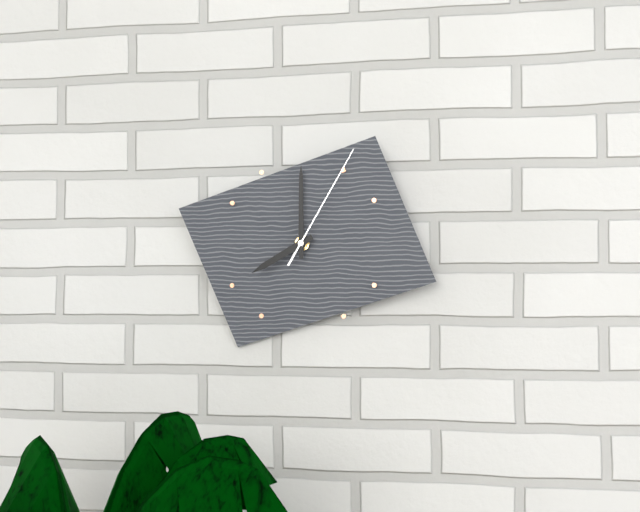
**8:00:05**
